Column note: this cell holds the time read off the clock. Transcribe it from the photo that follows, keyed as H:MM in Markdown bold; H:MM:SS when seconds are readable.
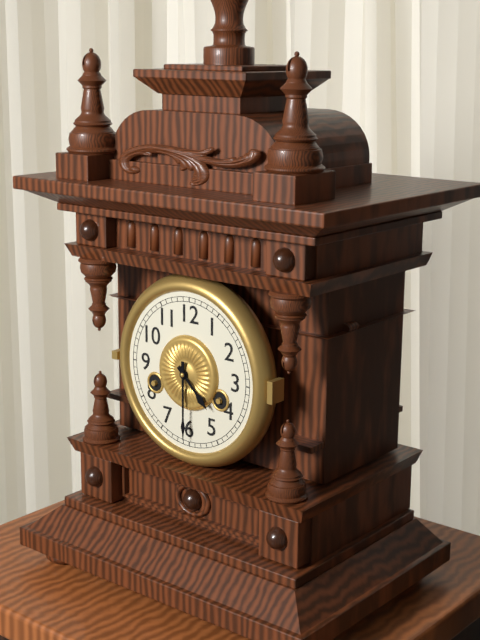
**4:30**
